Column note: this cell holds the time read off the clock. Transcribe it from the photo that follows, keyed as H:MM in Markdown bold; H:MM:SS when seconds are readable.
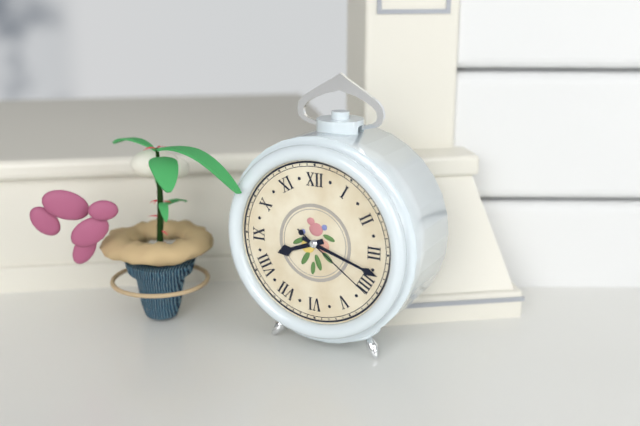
**8:18:21**
